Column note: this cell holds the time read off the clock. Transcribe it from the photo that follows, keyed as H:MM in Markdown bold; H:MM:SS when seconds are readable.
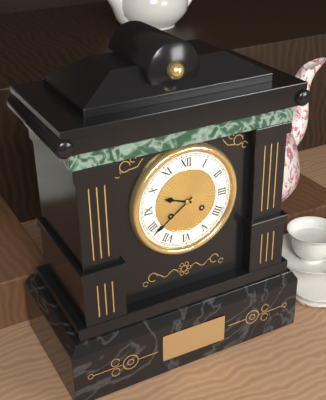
**9:39**
